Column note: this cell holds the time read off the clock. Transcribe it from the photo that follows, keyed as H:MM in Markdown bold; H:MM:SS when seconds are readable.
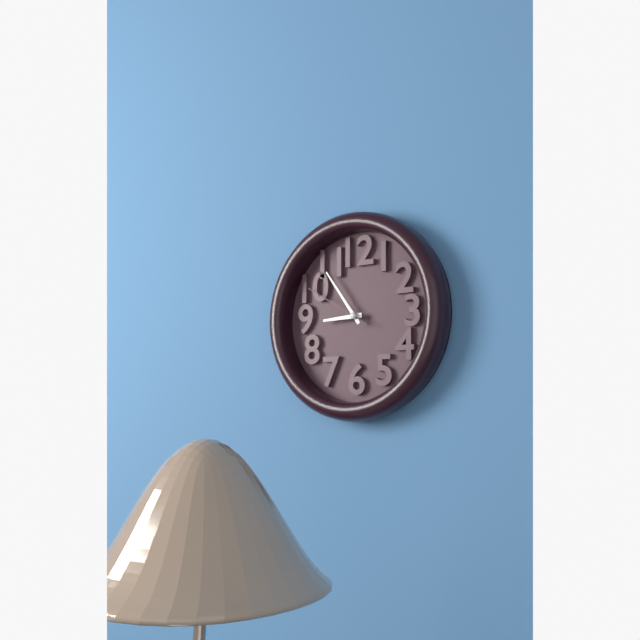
**8:54:50**
